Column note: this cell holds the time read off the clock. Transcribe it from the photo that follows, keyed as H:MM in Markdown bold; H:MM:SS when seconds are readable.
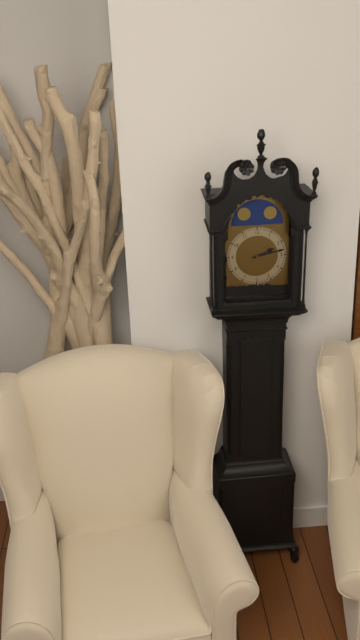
**2:13**
